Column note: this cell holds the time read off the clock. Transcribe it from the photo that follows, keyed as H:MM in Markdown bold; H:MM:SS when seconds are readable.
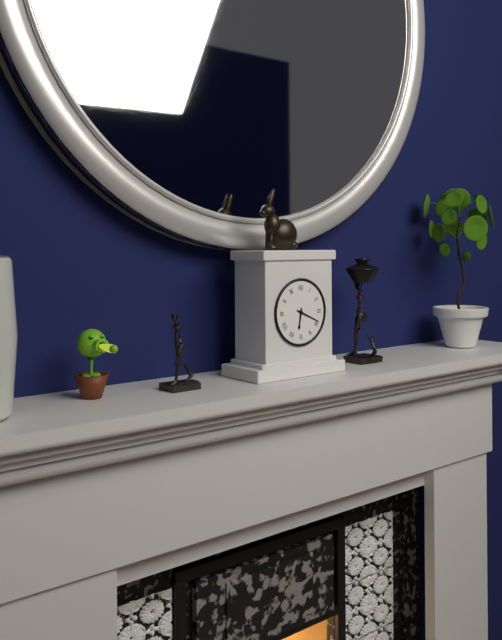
**6:19**
